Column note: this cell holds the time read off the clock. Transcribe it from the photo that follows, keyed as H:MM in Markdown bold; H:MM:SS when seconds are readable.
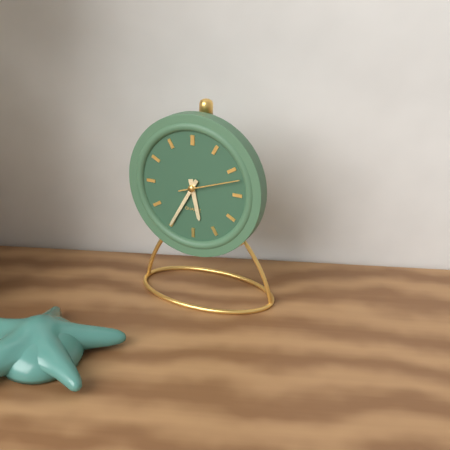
**5:35:12**
